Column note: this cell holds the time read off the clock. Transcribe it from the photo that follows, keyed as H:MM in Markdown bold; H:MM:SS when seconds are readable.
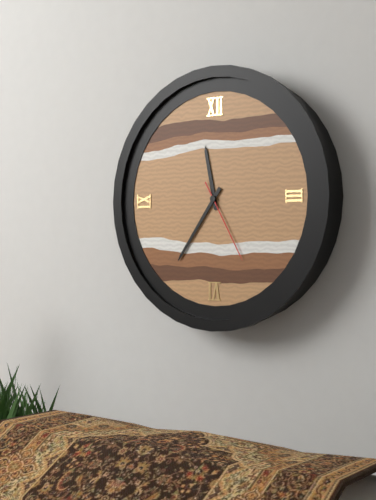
**11:36:25**
